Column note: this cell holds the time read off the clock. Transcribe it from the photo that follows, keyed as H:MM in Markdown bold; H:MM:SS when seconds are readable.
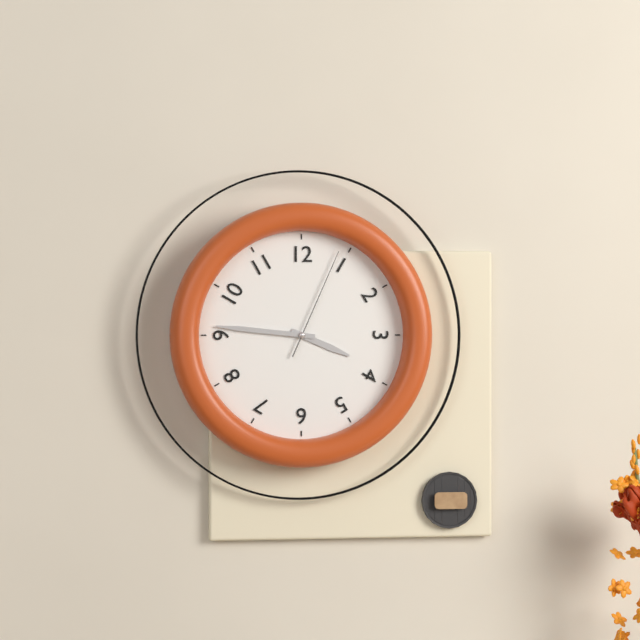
**3:46:04**
